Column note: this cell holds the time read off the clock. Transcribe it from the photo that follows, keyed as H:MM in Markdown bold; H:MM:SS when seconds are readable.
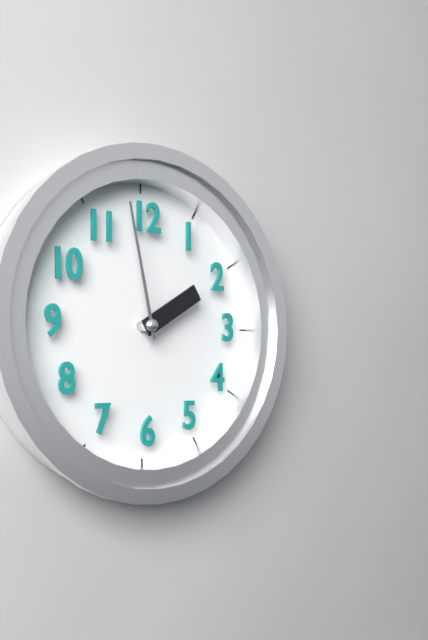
**1:58**
